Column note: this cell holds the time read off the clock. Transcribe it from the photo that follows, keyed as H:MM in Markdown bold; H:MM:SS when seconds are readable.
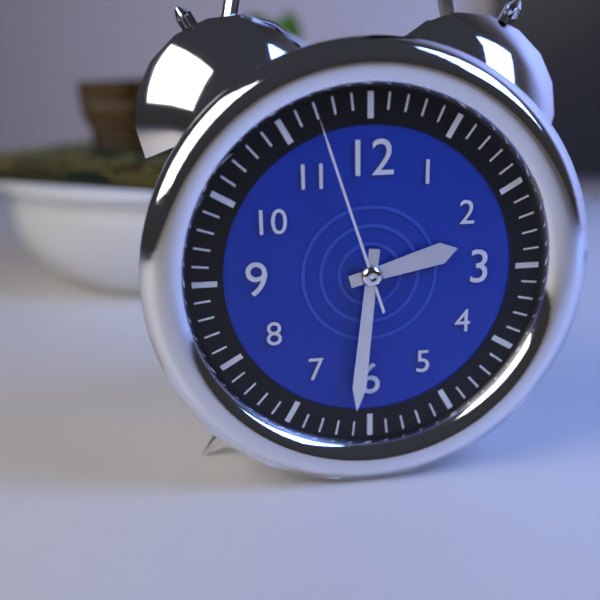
**2:31:57**
